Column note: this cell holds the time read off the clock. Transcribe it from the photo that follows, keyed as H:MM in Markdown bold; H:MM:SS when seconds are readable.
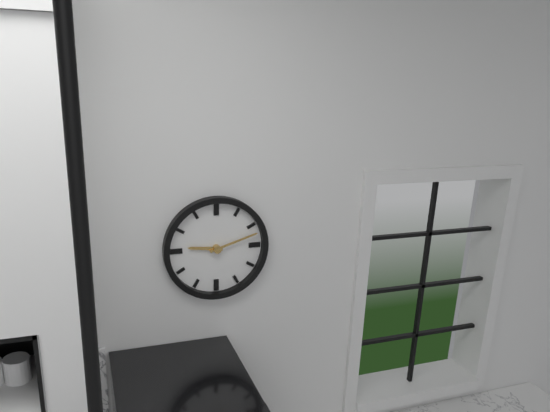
**9:12**
